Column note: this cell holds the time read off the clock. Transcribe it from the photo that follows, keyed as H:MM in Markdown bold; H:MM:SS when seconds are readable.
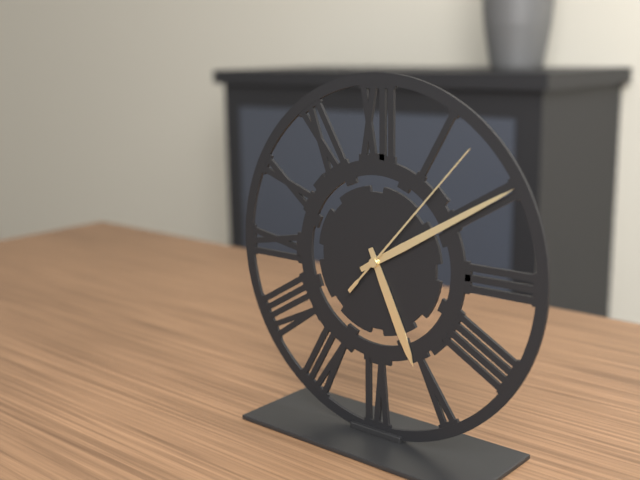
**5:10:07**
